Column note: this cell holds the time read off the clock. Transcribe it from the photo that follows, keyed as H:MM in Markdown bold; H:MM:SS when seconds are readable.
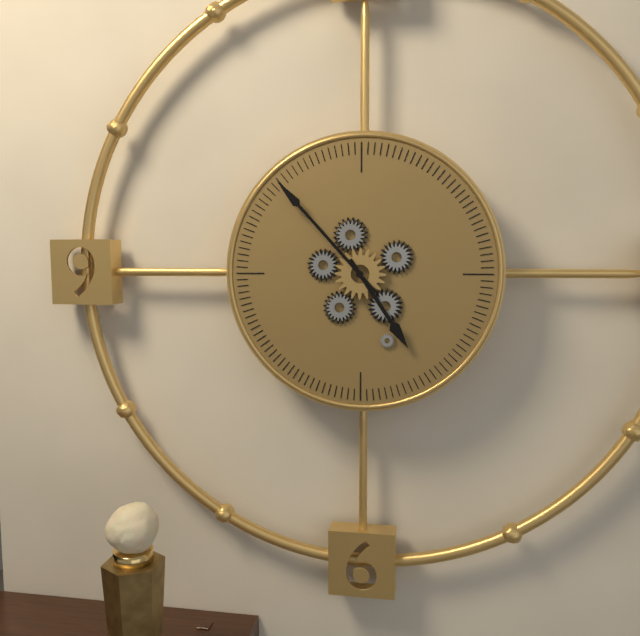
**4:53**
